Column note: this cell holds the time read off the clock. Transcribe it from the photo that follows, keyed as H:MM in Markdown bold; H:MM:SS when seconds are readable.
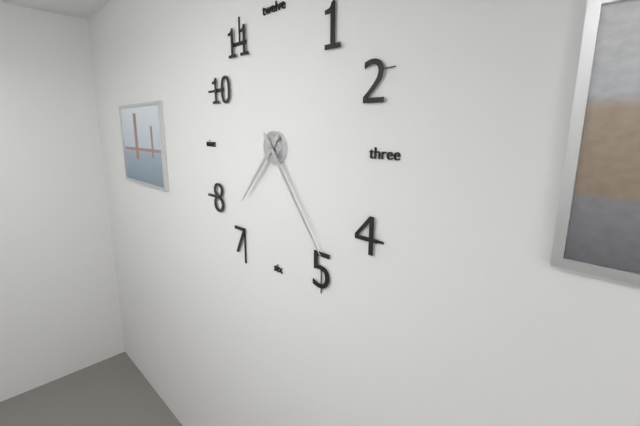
**7:24**
